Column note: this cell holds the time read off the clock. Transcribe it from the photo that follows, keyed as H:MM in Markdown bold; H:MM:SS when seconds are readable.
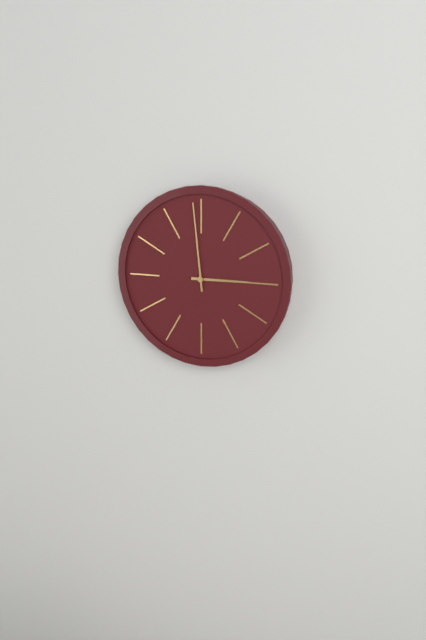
**2:59**
